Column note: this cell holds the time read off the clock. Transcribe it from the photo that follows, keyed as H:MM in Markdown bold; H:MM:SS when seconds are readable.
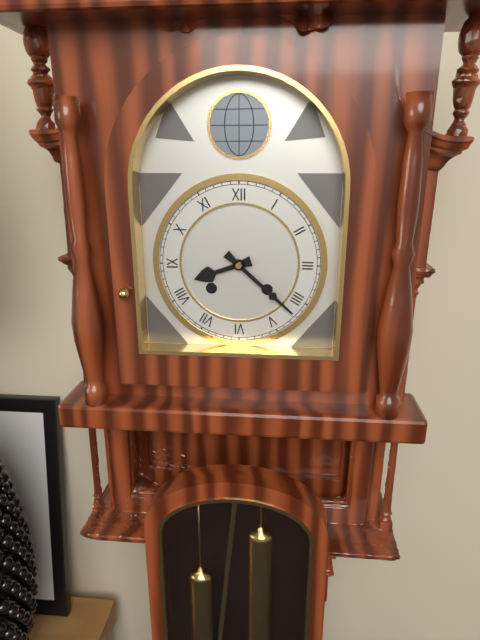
**8:22**
